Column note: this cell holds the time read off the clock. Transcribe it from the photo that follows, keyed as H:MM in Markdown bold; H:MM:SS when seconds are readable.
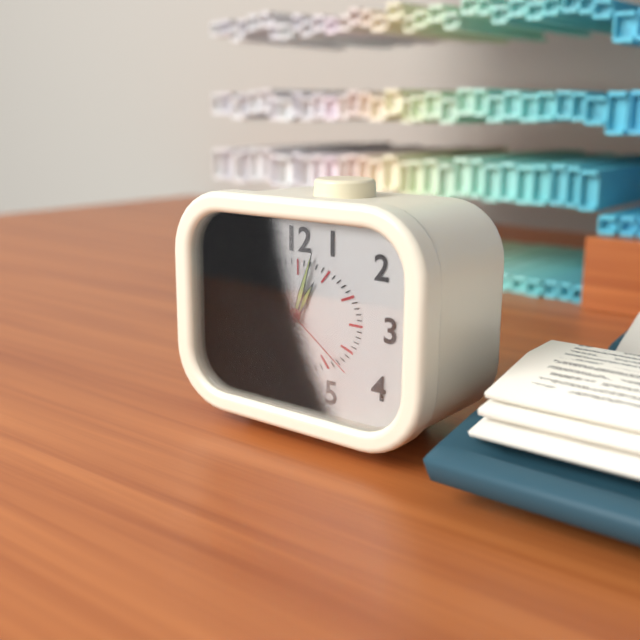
**1:03:21**
